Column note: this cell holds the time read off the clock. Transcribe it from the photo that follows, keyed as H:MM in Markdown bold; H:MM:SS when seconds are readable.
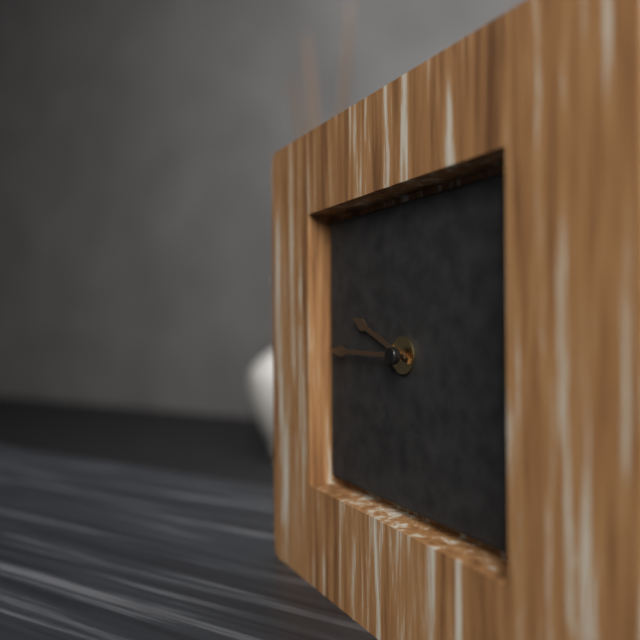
**9:45**
